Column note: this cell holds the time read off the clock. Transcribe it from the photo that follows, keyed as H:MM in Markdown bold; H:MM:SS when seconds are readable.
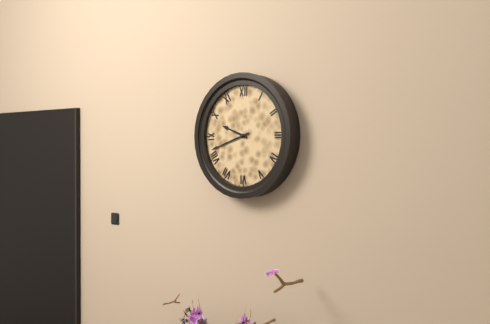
**9:42**
